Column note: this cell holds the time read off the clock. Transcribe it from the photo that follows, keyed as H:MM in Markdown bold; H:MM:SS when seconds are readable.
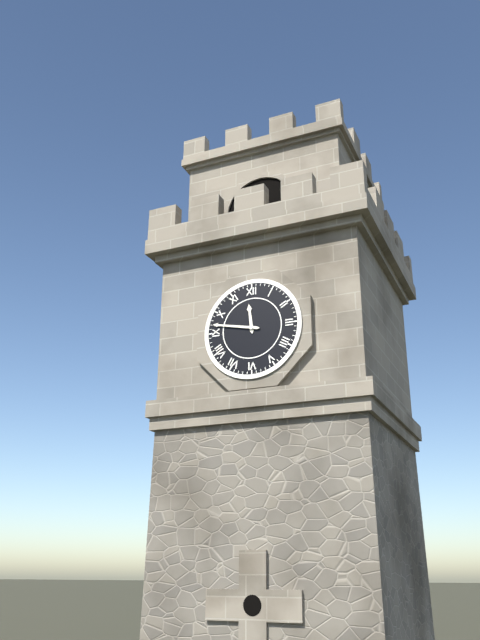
**11:47**
